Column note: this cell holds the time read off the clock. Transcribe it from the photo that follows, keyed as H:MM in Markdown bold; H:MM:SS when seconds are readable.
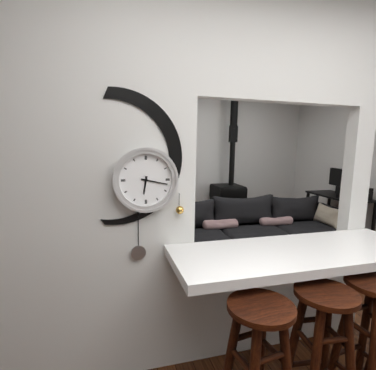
**6:17**
